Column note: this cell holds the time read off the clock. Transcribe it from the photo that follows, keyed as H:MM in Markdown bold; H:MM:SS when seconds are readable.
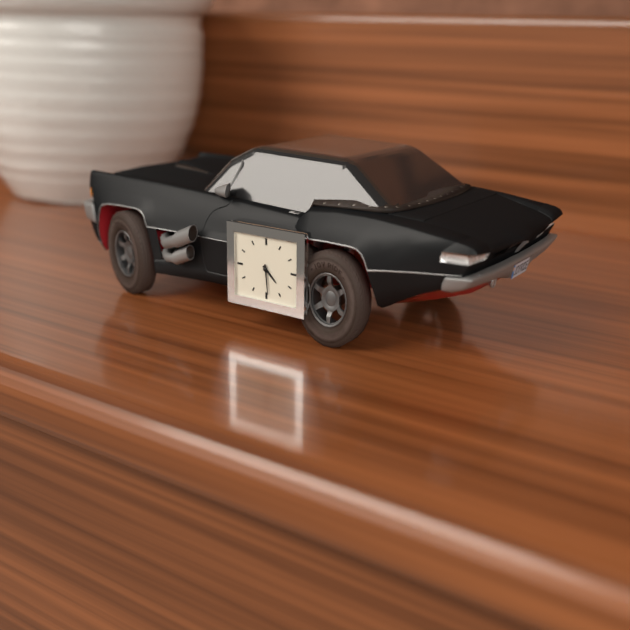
**4:29**
